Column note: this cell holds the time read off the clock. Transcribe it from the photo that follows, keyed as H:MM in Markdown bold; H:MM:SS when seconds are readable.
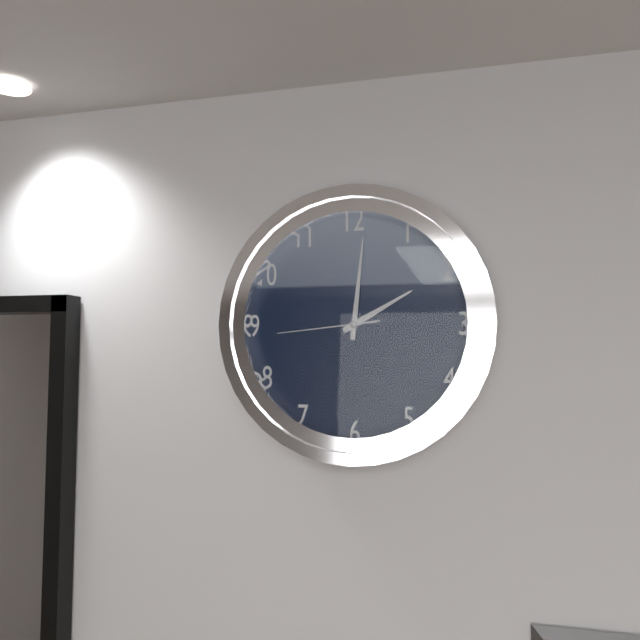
**2:01:44**
